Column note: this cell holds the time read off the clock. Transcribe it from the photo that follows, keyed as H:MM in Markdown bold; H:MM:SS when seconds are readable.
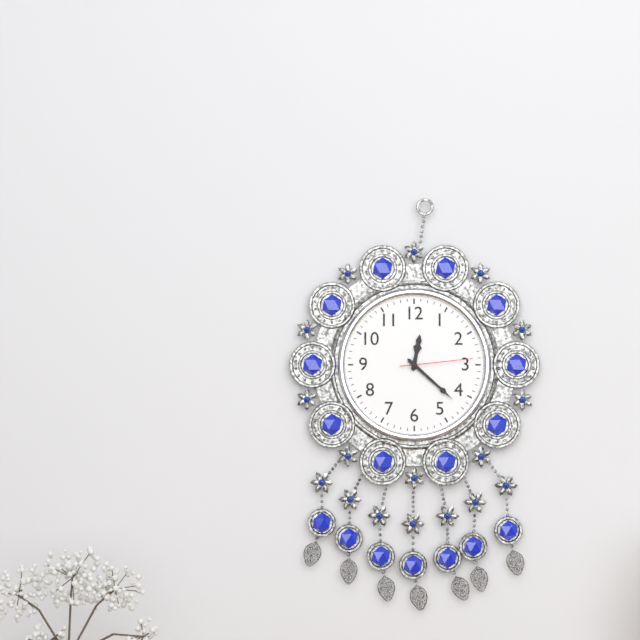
**12:22:14**
